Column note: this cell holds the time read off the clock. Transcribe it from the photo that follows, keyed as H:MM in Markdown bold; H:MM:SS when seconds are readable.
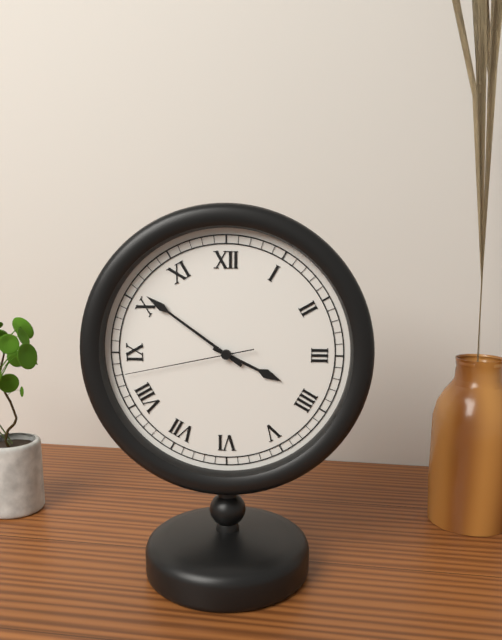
**3:51:43**
